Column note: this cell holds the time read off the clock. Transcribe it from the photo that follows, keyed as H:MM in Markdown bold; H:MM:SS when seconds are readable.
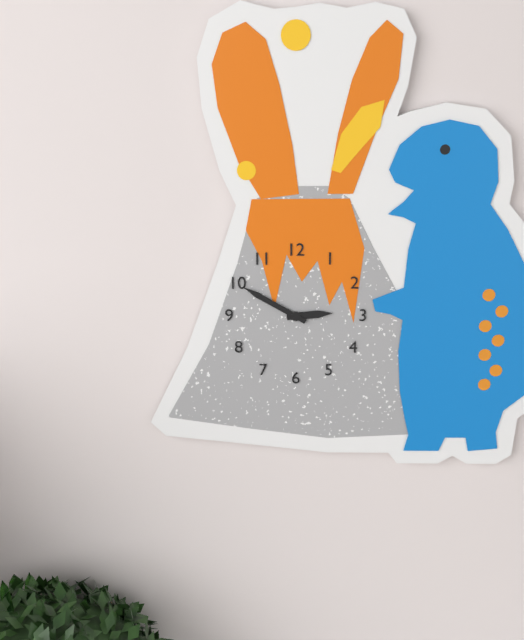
**2:50**
